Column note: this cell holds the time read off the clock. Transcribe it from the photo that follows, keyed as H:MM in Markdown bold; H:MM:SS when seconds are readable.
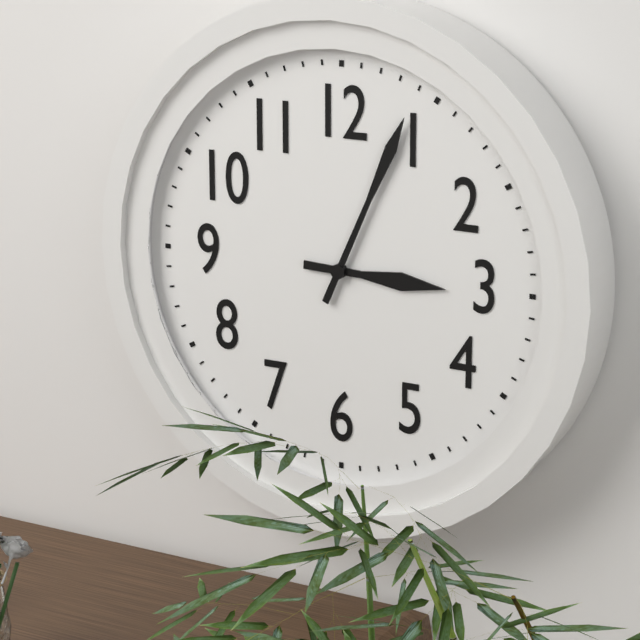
**3:04**
